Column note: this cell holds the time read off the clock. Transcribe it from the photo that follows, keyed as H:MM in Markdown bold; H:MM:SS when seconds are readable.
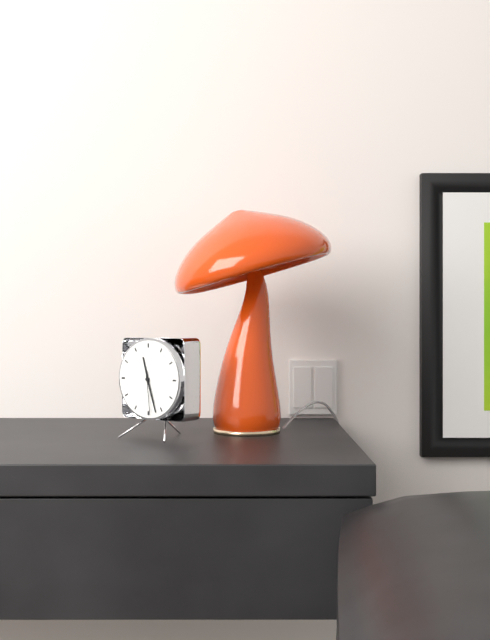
**11:27**
